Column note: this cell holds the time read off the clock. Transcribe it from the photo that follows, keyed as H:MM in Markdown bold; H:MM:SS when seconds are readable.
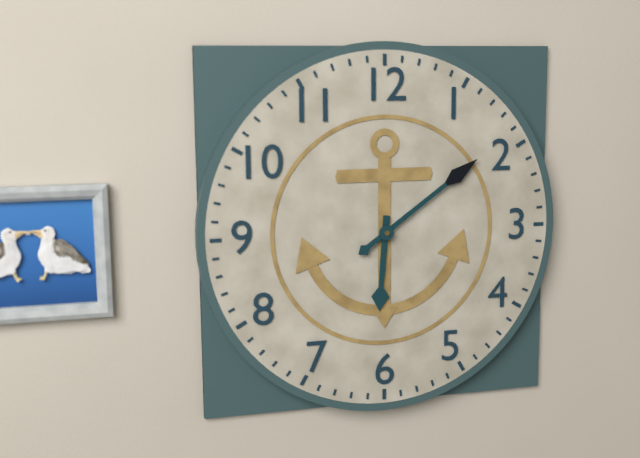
**6:09**
